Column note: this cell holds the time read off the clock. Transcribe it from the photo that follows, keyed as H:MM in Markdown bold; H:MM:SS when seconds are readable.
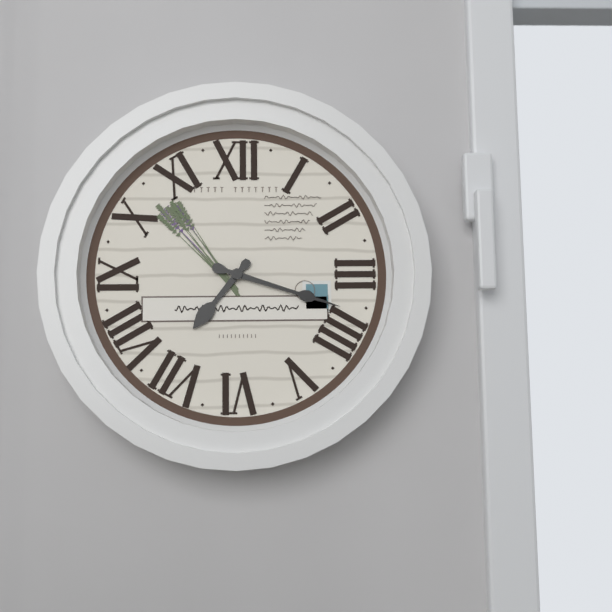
**7:18**
